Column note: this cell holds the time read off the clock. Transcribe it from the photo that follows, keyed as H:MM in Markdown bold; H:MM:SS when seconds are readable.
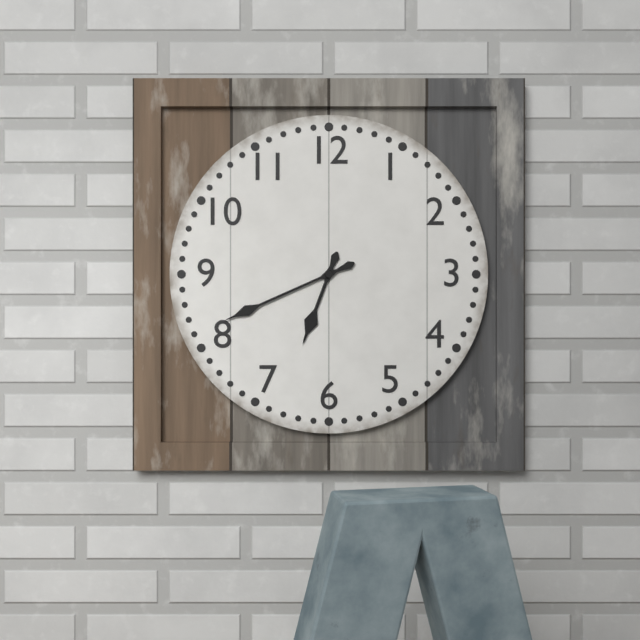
**6:41**
